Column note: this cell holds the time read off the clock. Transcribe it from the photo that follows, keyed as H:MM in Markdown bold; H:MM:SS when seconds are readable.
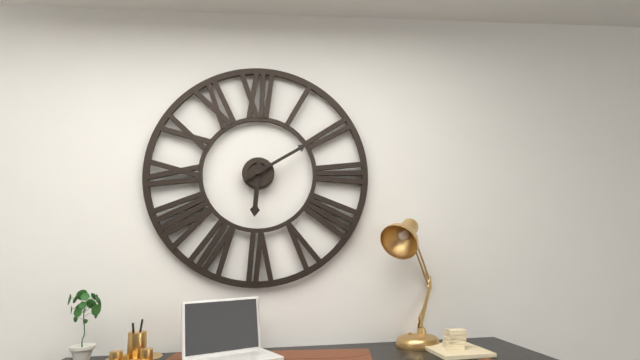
**6:10**
